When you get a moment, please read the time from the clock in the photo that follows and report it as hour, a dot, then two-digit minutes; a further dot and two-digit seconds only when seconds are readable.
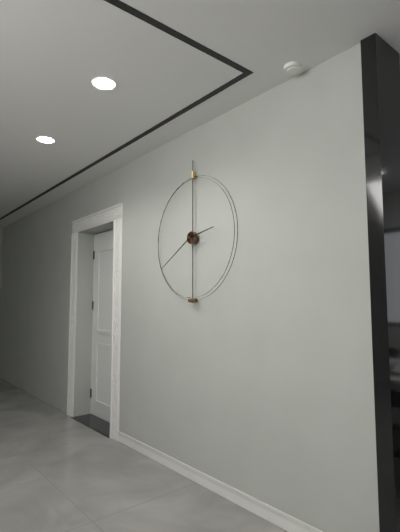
2.40
